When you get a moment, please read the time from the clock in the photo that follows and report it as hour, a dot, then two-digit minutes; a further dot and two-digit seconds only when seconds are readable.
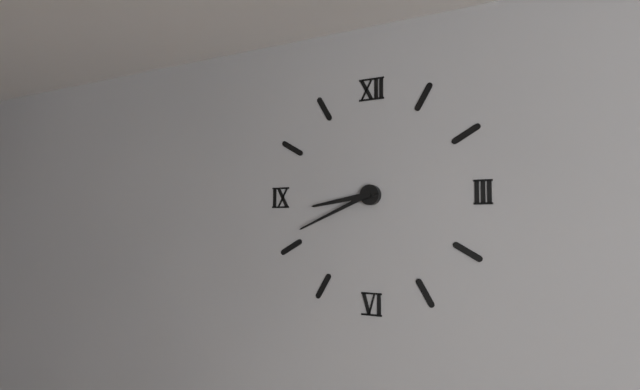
8.41
